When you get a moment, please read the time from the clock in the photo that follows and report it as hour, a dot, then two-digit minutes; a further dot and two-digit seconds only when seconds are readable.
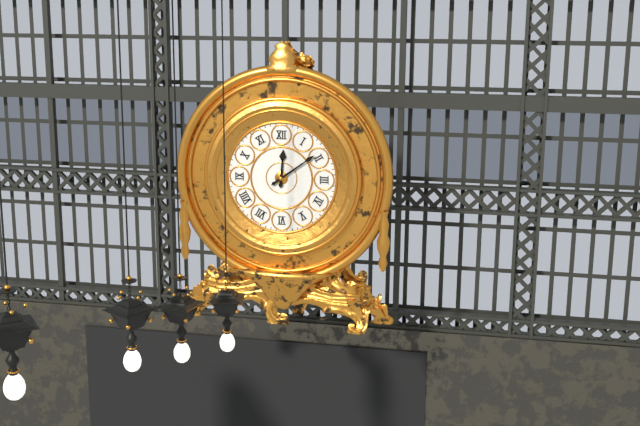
12.09
